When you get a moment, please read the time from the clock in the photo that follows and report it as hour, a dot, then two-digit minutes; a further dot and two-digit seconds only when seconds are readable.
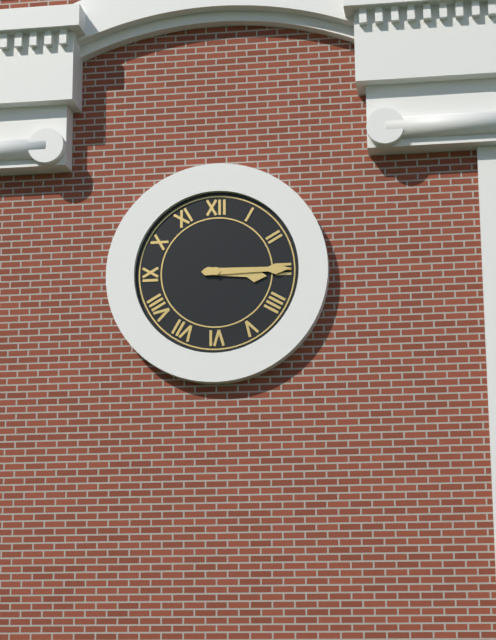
3.15
